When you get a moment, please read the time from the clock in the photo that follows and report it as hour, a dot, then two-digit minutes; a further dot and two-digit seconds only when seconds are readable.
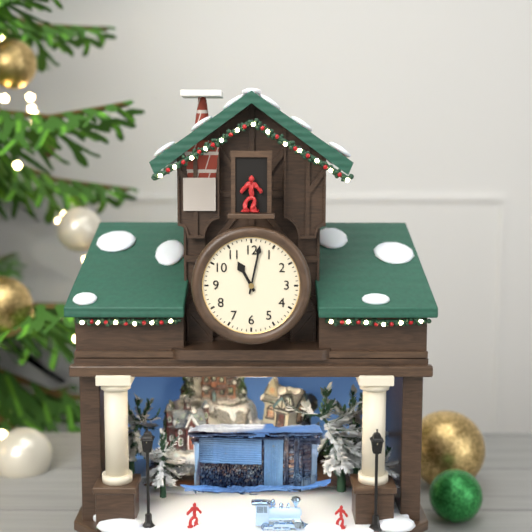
11.02
